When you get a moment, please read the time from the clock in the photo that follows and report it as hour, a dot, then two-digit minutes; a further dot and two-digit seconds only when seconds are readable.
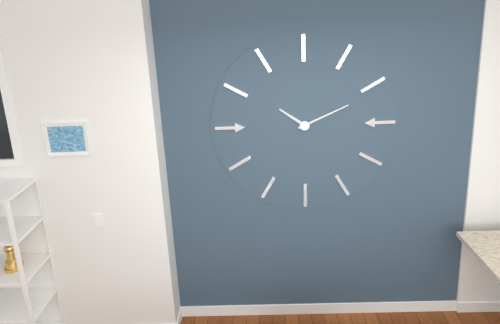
10.11
